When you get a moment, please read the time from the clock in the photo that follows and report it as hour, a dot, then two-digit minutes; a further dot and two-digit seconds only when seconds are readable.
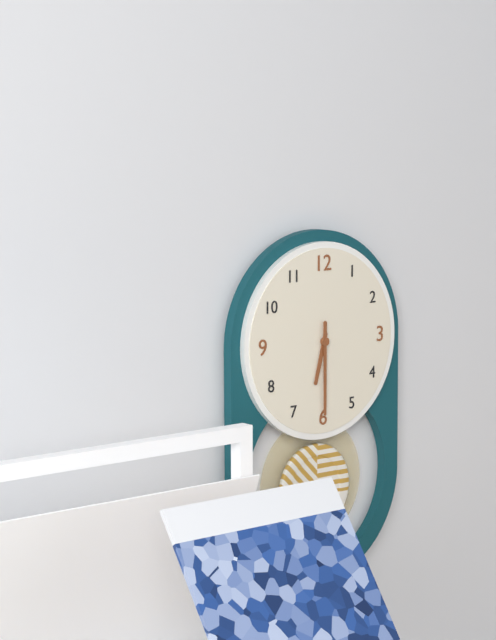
6.30
